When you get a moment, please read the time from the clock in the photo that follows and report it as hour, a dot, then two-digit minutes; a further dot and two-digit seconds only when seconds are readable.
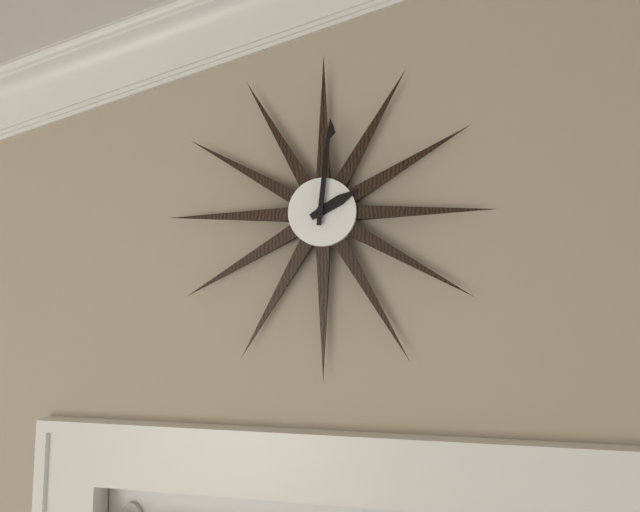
2.01
